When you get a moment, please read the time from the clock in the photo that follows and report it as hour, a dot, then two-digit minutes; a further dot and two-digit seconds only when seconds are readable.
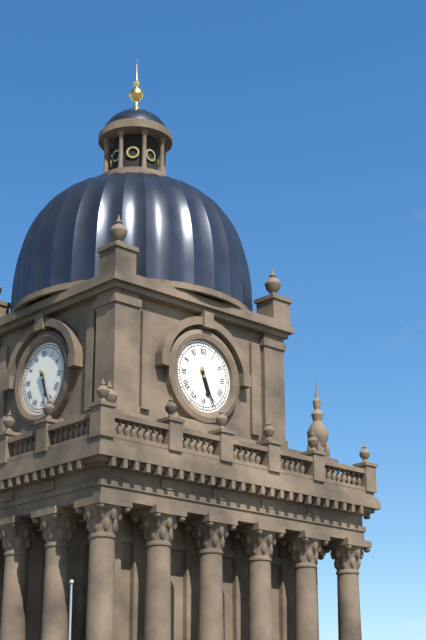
5.26
